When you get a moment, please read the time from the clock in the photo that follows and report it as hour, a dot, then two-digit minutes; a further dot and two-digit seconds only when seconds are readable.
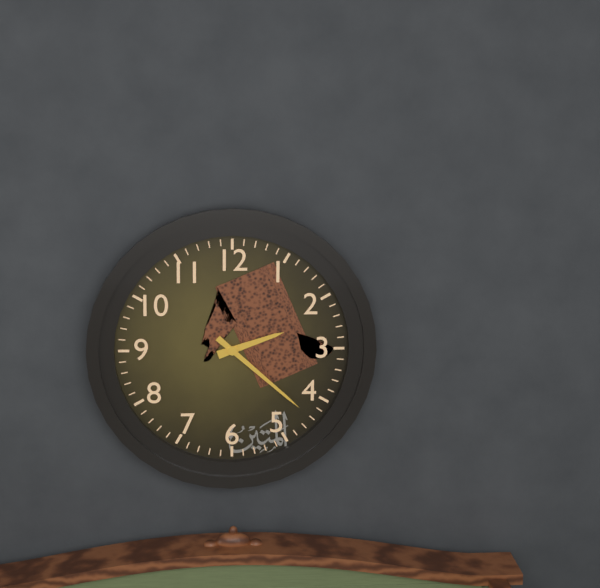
2.22
